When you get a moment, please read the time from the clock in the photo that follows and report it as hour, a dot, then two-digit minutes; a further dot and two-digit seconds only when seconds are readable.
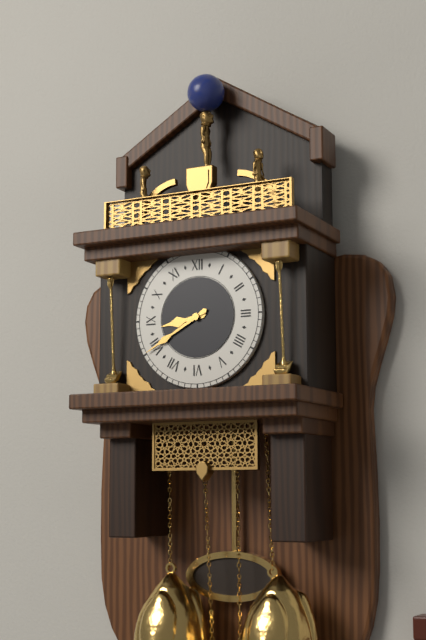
8.40
